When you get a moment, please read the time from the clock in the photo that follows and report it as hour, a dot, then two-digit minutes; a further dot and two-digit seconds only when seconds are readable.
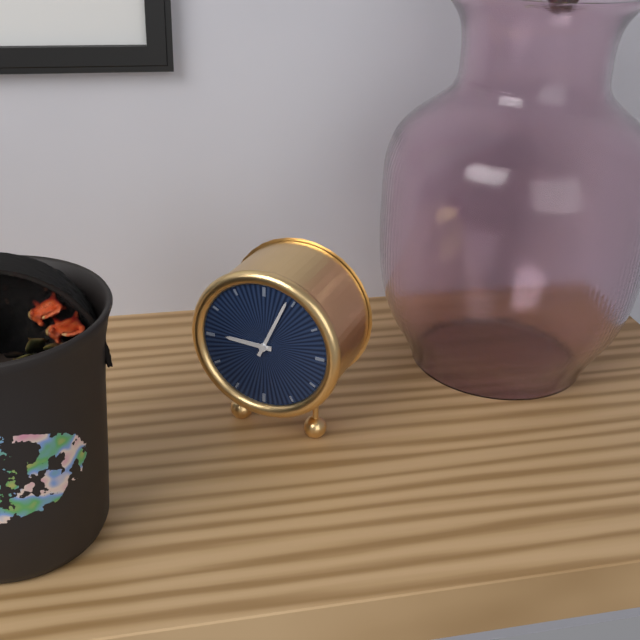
9.04
